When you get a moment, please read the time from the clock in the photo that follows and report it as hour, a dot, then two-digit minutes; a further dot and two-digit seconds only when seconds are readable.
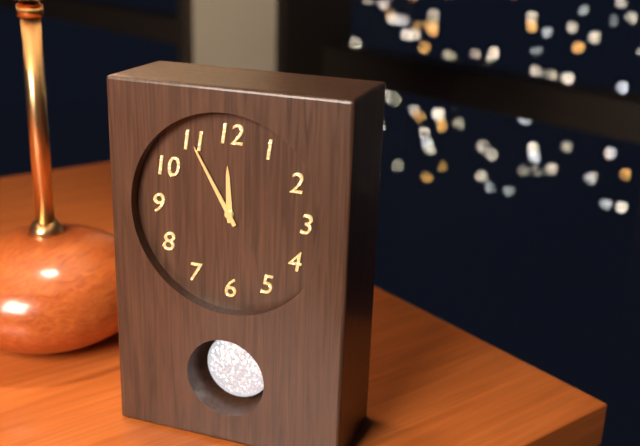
11.55
